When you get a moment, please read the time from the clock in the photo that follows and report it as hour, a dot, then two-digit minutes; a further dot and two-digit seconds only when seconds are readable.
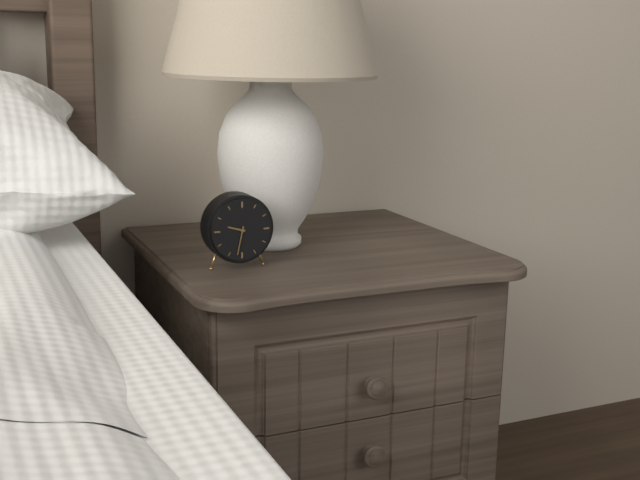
9.32
